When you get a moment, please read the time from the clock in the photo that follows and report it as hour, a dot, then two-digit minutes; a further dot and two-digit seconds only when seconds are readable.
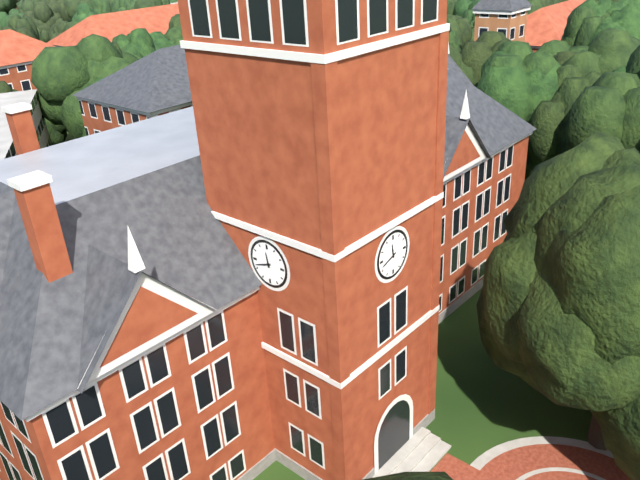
11.42
